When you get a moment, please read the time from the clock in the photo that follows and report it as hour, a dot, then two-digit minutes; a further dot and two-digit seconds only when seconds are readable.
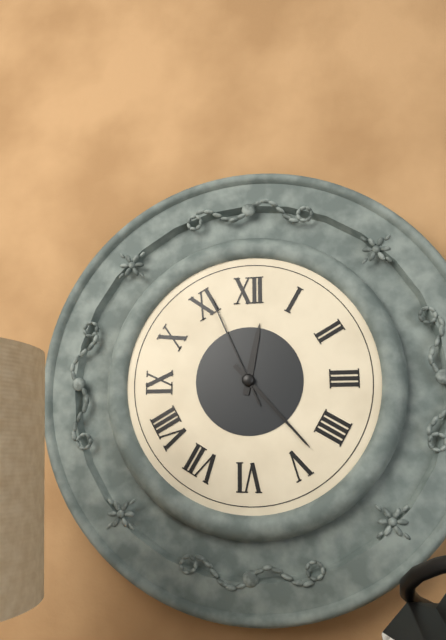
12.23.56
